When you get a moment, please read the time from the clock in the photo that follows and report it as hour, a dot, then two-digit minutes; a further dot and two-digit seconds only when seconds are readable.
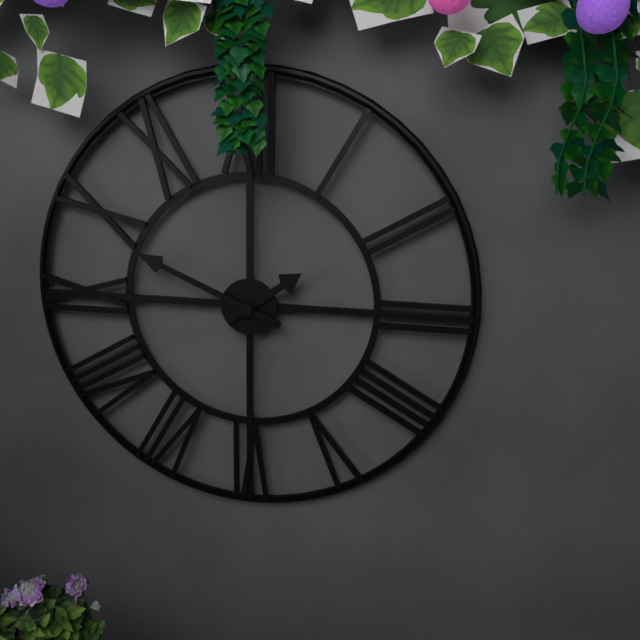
1.49
